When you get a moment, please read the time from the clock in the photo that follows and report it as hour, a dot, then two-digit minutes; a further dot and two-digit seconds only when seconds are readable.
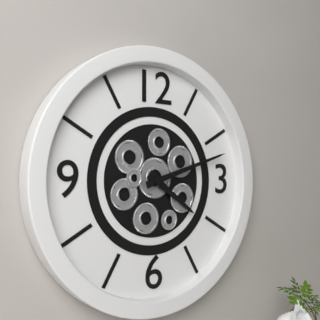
4.12
